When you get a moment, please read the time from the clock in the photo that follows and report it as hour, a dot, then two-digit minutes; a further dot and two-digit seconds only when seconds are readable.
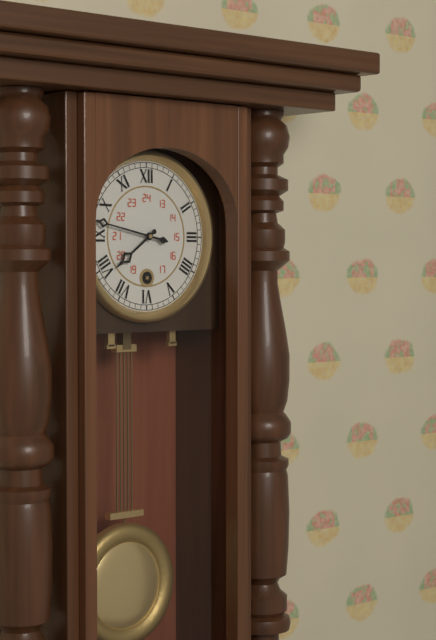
7.47
